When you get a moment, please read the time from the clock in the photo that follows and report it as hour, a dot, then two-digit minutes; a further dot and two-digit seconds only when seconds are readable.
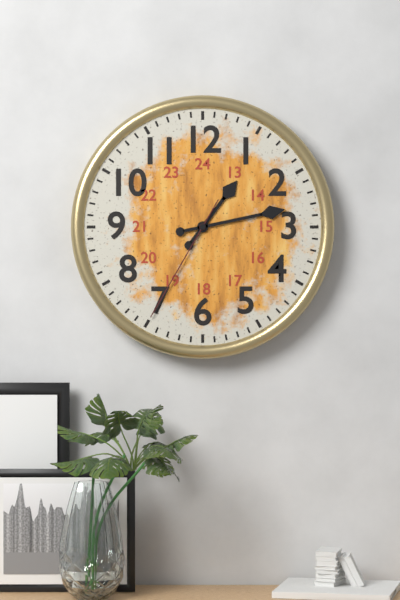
1.13.35
